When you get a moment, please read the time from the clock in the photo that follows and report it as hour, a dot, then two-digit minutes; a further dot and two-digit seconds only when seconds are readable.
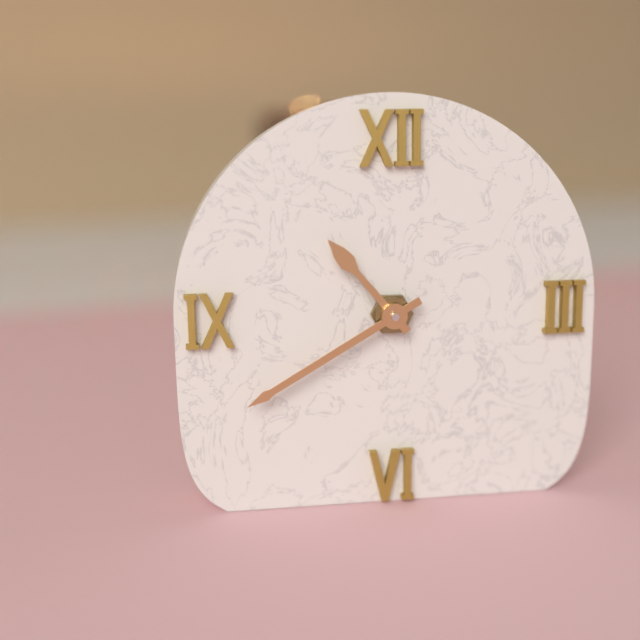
10.40
